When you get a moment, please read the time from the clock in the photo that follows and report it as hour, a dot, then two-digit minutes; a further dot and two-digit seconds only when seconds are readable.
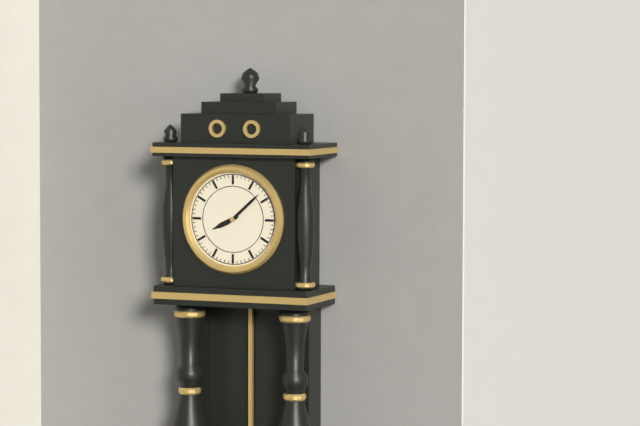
8.08
